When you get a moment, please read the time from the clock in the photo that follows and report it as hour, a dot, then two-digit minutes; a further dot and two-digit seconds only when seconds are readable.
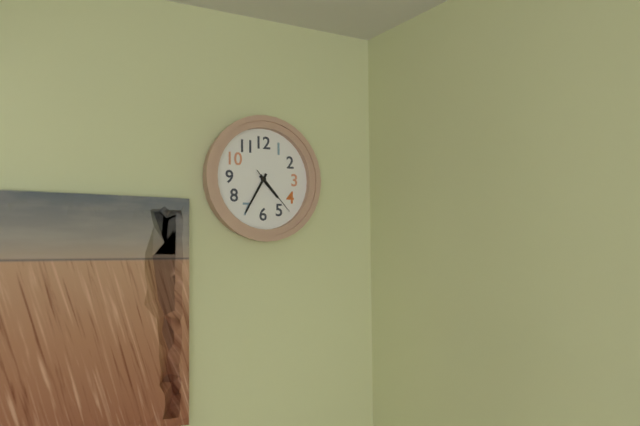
4.35.23
